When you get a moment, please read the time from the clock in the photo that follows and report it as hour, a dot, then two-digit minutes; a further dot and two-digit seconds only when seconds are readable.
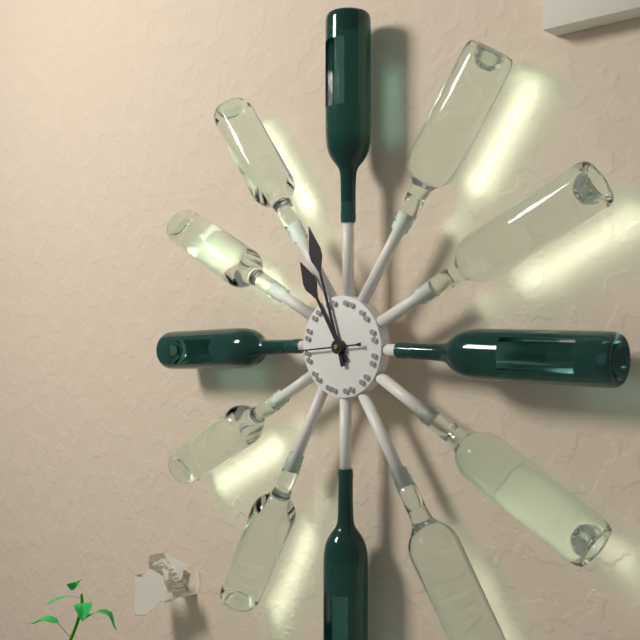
10.57.44
